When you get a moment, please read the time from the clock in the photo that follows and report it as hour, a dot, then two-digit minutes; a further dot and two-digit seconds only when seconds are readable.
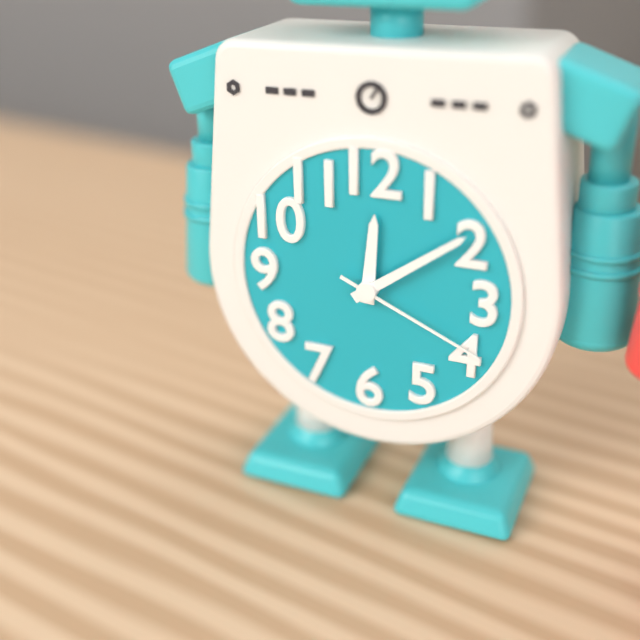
12.09.19
